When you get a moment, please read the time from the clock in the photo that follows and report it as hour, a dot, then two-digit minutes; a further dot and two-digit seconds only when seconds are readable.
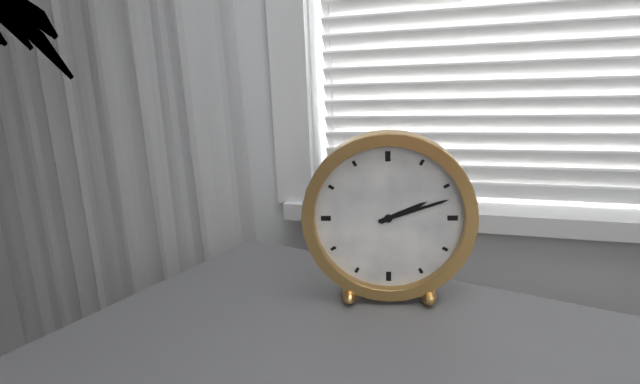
2.12
